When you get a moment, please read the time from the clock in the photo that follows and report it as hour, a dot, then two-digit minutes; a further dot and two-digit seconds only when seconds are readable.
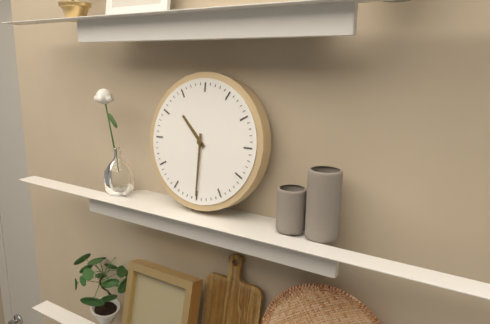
10.30
